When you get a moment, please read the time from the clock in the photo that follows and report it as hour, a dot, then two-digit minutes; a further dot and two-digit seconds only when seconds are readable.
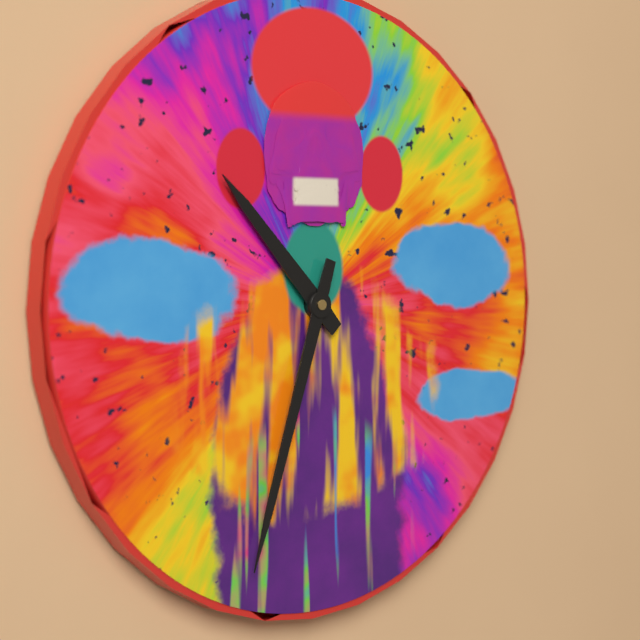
10.33
